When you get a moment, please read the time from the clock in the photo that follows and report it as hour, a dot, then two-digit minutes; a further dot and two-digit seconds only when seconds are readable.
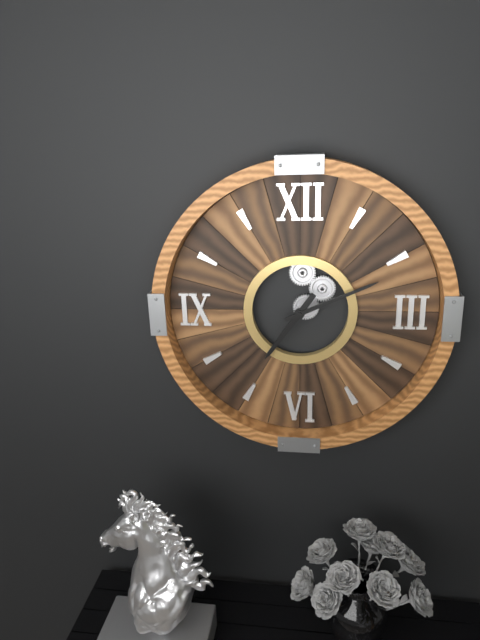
7.11
